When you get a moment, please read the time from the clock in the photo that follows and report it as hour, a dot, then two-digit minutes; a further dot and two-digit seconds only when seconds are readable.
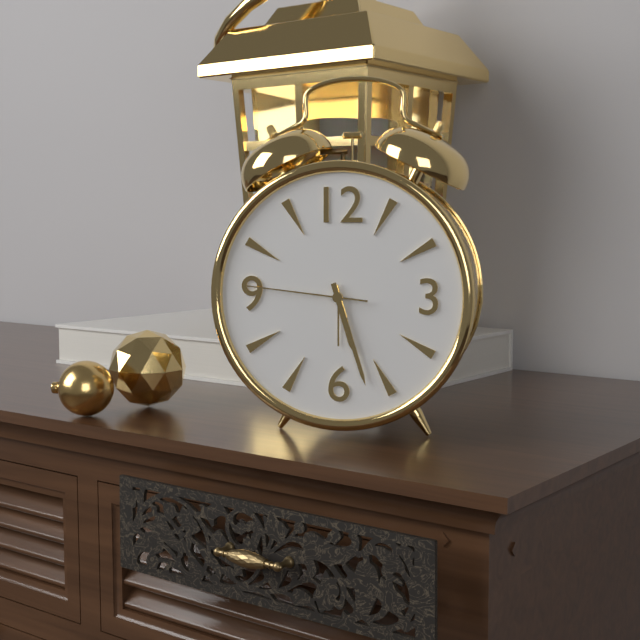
5.27.46
